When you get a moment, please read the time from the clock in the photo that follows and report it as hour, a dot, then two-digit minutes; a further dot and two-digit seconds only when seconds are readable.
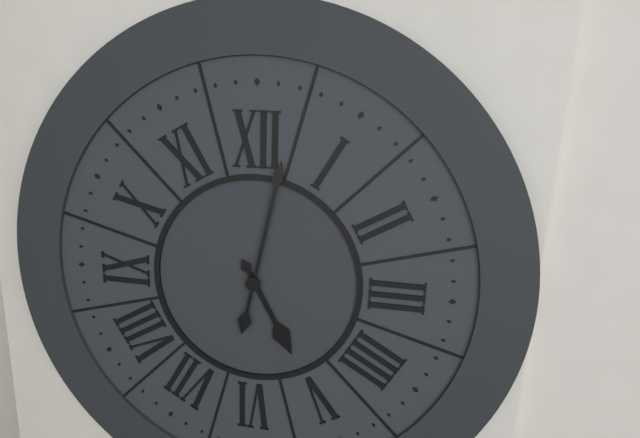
5.02
